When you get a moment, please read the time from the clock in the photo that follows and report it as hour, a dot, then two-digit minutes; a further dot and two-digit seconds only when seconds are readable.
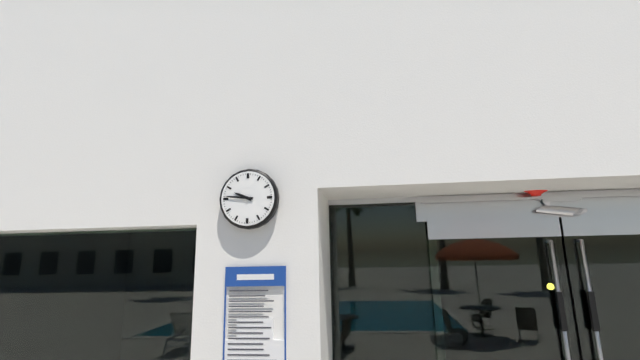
9.46
